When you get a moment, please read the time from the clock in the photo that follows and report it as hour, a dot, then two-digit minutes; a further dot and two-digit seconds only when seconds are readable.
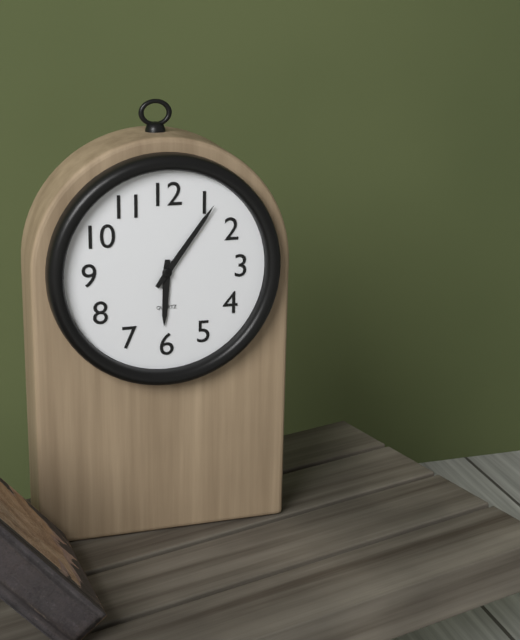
6.06
